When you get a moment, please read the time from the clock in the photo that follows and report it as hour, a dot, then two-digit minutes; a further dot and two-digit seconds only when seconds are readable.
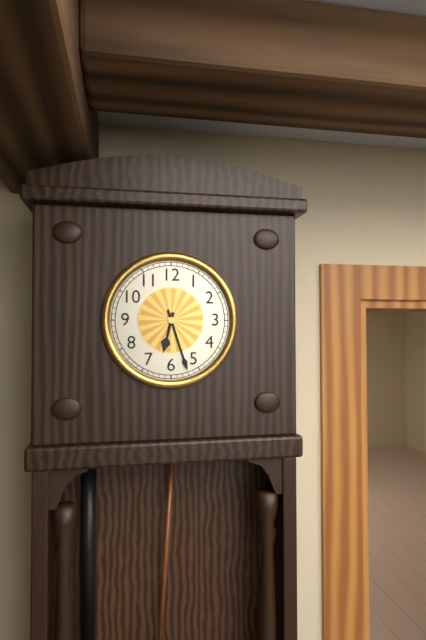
6.27
